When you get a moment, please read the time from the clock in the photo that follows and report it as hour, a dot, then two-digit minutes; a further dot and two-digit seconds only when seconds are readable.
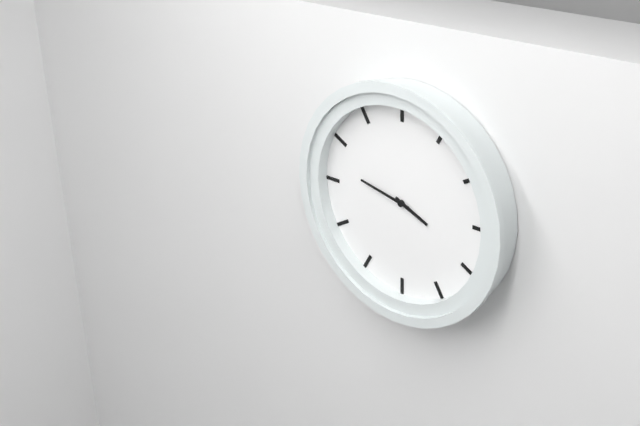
3.47
